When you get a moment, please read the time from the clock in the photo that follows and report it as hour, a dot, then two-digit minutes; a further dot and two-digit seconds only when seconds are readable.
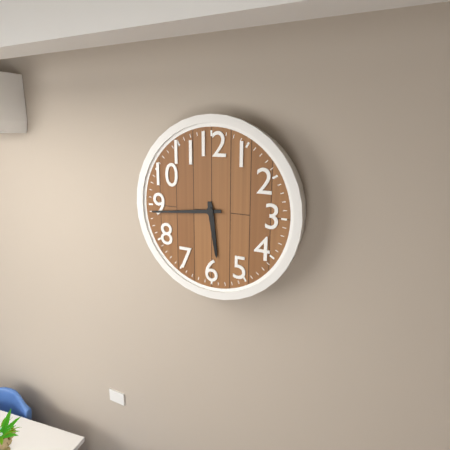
5.44
